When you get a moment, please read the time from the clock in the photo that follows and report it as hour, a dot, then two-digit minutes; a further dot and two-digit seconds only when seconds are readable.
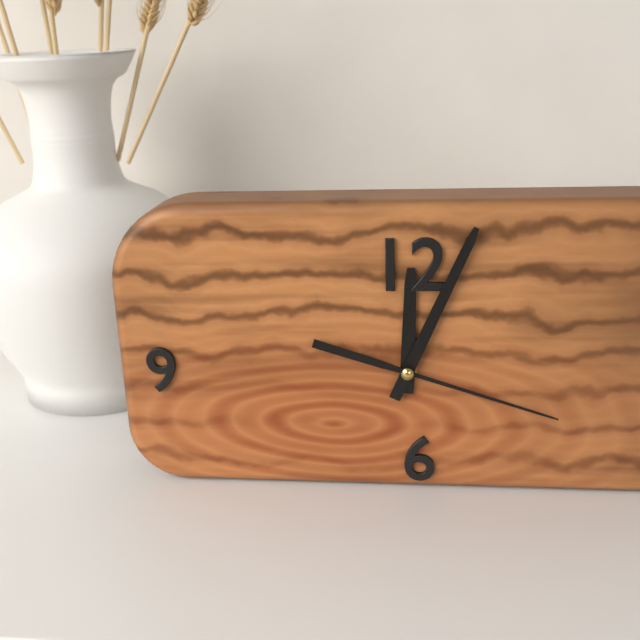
12.04.18
